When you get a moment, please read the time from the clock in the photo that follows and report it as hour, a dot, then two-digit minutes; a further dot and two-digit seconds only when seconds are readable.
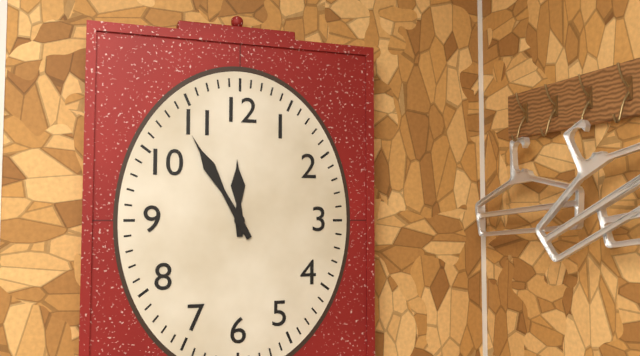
11.55
